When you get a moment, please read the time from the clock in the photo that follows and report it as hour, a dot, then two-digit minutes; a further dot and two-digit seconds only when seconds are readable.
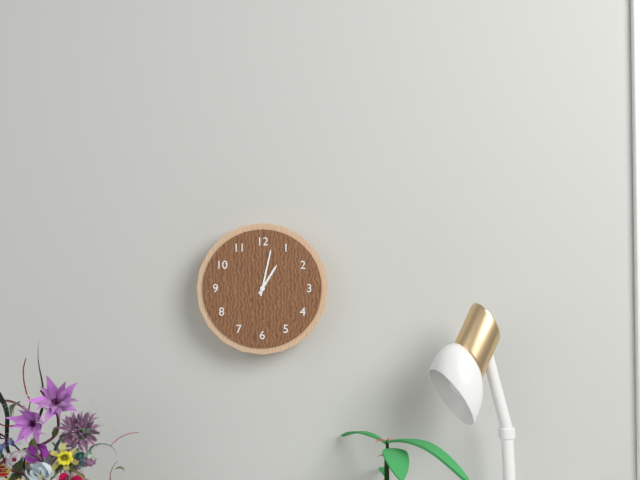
1.02
